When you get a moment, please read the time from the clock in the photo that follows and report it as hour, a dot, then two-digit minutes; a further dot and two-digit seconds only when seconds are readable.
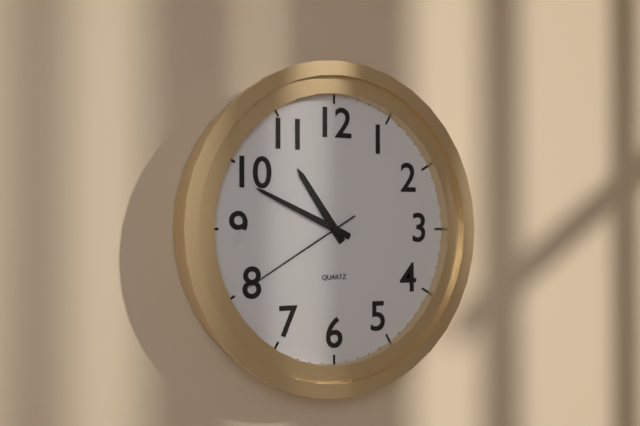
10.49.40
